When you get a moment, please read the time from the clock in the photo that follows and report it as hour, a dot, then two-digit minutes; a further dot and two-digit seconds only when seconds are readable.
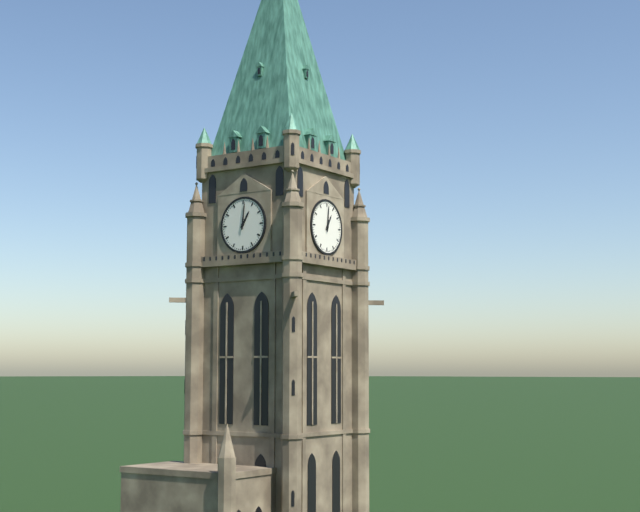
1.01
